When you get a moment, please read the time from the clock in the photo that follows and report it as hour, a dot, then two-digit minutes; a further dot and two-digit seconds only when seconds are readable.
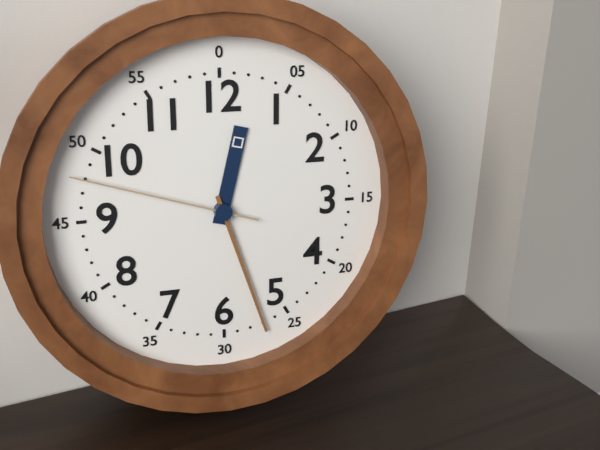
12.27.48
